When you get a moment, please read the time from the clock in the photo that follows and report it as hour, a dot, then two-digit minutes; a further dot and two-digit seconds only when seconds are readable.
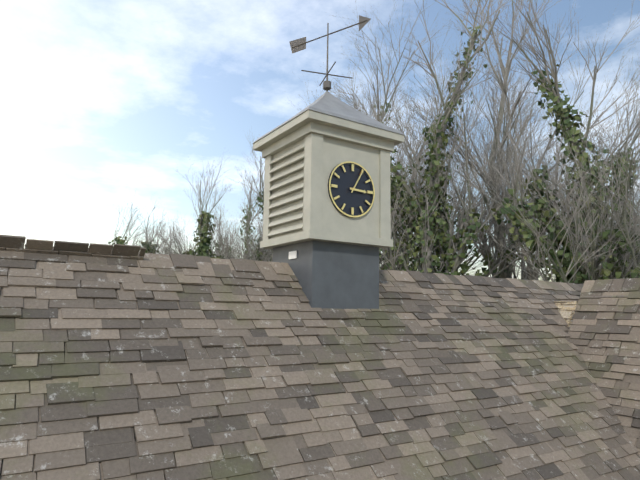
3.05
